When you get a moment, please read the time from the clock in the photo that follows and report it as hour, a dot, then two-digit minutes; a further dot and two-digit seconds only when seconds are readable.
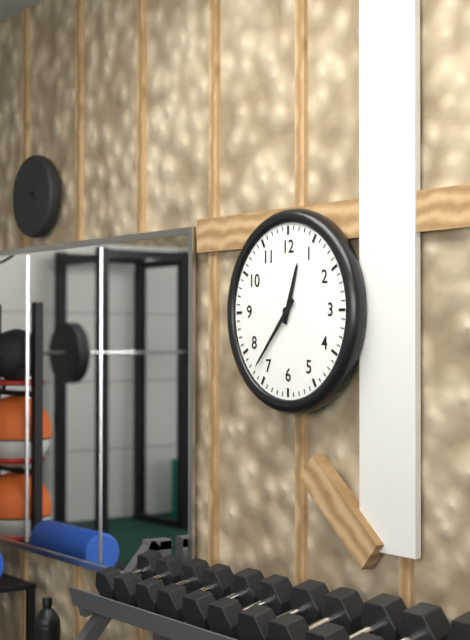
12.37
